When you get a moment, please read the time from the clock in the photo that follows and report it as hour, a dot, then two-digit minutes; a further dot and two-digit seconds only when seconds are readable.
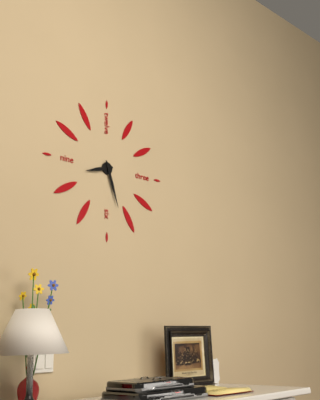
8.27
